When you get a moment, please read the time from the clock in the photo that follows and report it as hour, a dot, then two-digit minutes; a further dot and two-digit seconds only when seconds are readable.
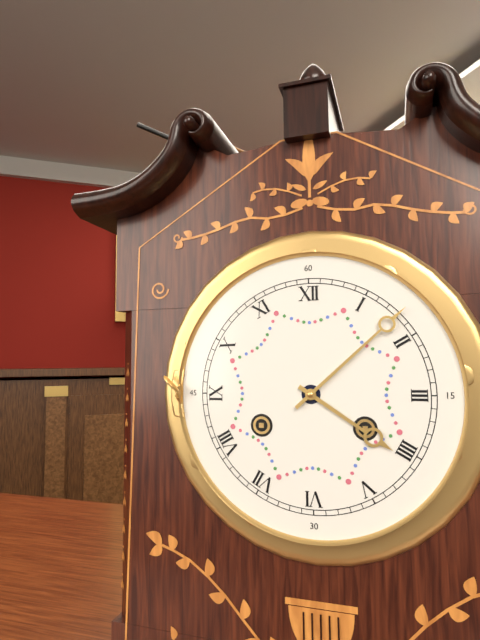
4.08
